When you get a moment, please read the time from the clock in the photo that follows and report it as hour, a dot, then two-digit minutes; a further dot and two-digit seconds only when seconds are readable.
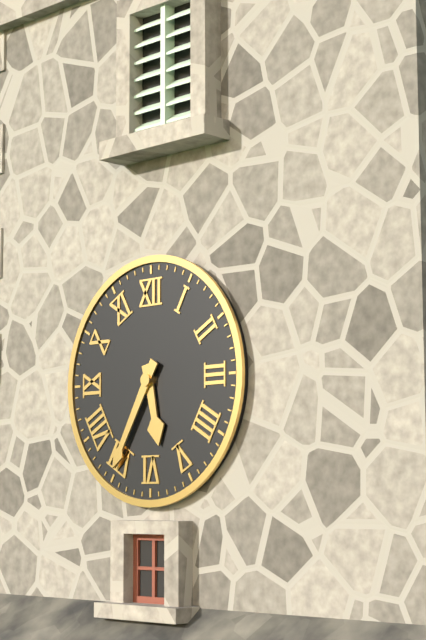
5.35
